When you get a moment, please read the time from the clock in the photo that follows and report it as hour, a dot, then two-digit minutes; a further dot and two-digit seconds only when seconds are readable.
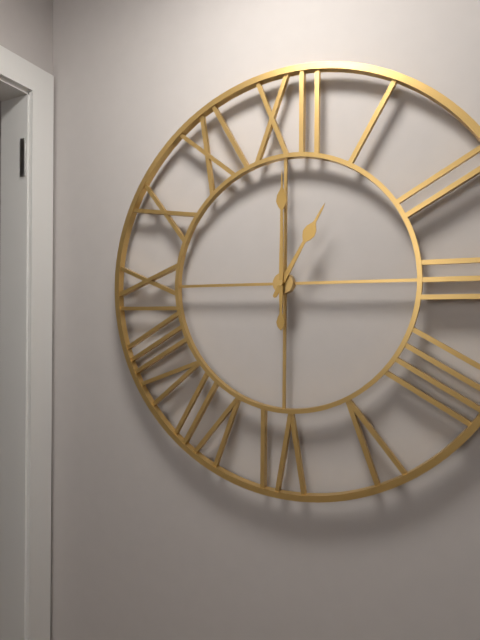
1.00
